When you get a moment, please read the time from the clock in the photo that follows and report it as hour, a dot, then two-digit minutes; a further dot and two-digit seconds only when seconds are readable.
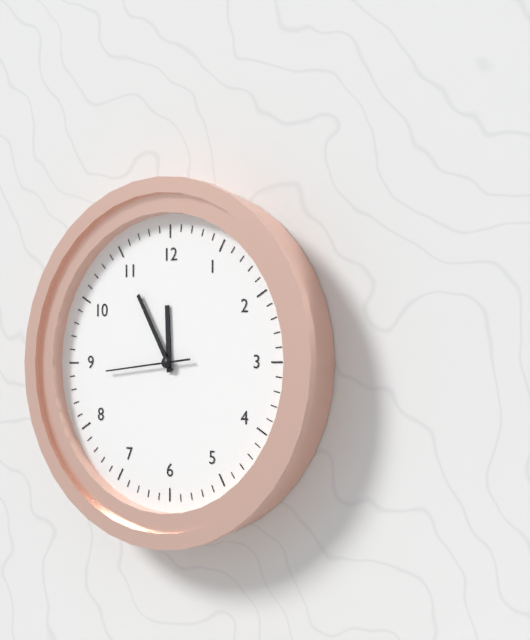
11.55.44
